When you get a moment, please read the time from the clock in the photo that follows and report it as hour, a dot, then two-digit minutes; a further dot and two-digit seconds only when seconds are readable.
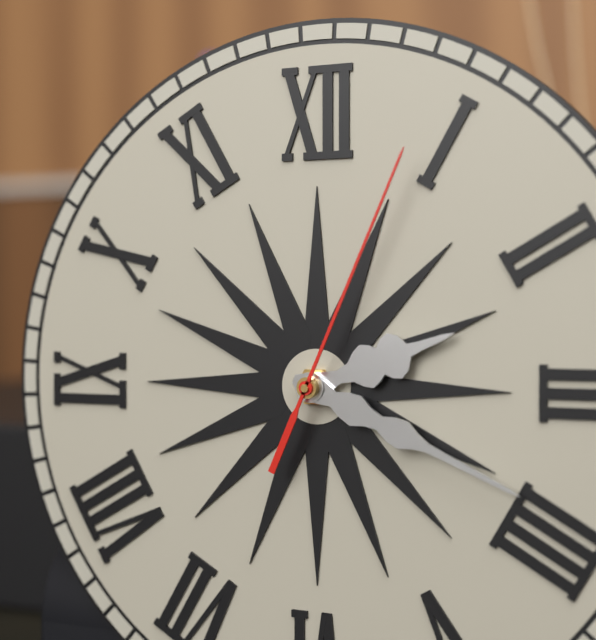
2.19.04
